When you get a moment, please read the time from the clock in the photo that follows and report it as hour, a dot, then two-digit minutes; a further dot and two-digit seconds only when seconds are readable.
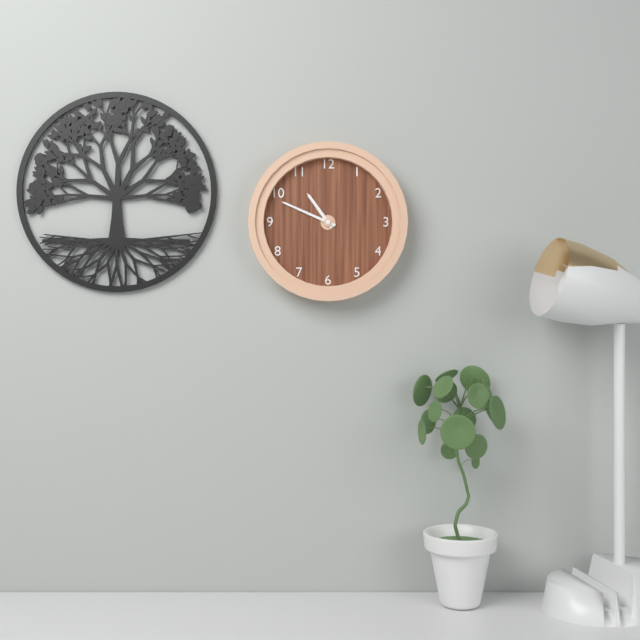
10.49
